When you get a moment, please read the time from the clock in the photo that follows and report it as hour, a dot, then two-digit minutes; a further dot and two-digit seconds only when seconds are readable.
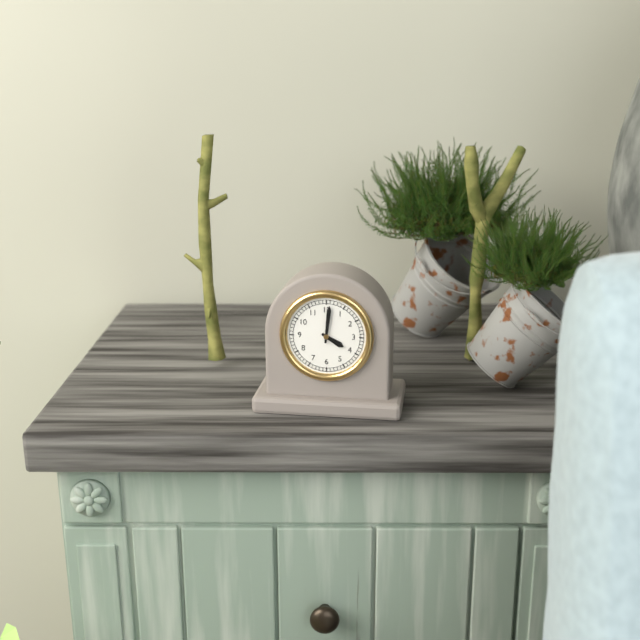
4.01
